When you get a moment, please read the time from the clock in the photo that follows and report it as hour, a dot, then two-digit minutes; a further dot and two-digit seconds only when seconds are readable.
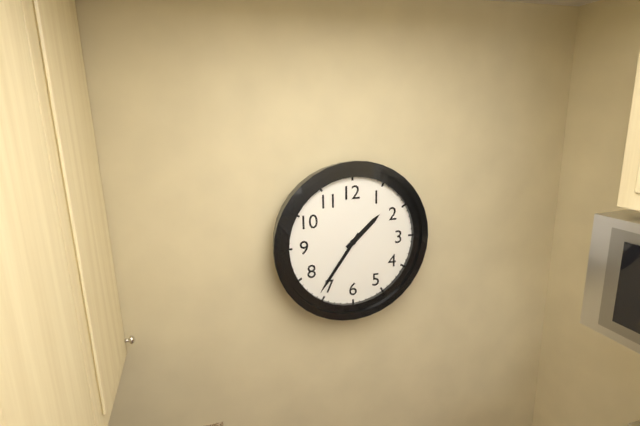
1.36
